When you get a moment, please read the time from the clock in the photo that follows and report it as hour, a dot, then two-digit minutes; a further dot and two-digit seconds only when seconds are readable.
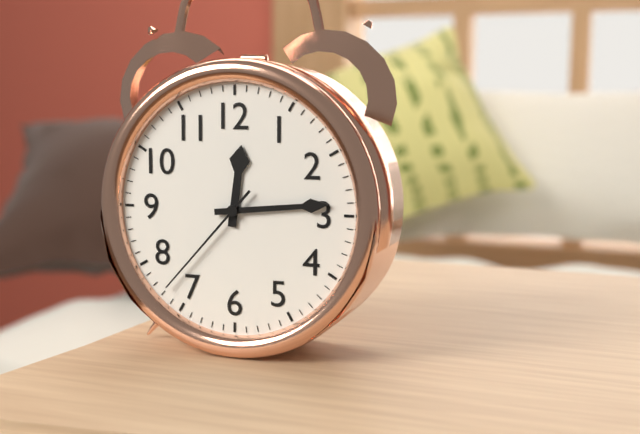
12.14.37
